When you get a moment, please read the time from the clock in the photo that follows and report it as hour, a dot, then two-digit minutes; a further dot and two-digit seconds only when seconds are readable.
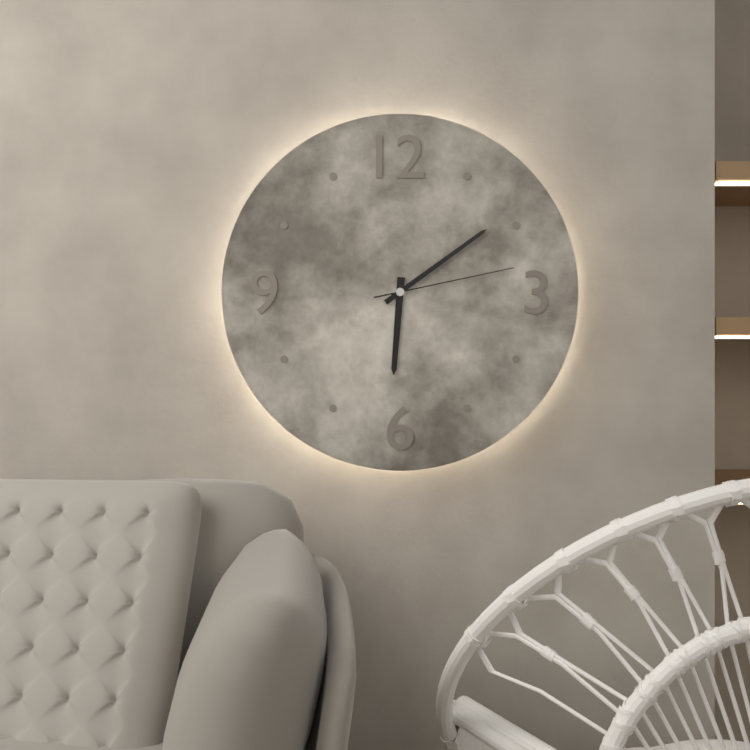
6.09.13
